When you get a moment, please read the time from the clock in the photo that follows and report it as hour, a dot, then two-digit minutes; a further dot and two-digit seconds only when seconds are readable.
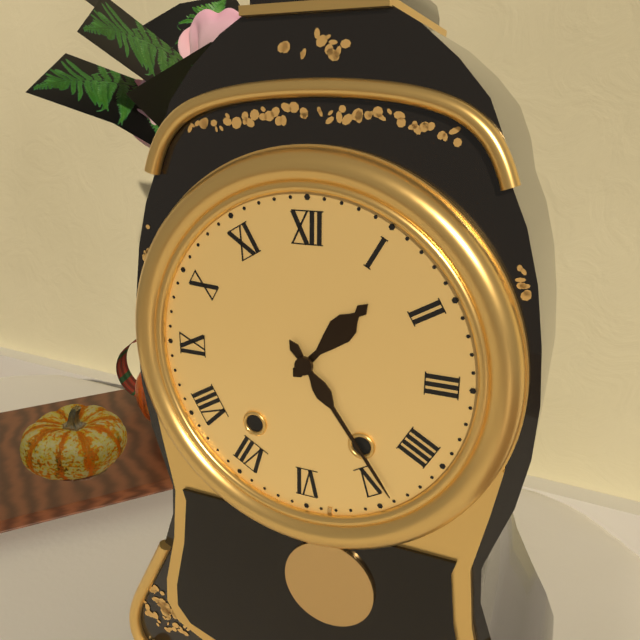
1.24
